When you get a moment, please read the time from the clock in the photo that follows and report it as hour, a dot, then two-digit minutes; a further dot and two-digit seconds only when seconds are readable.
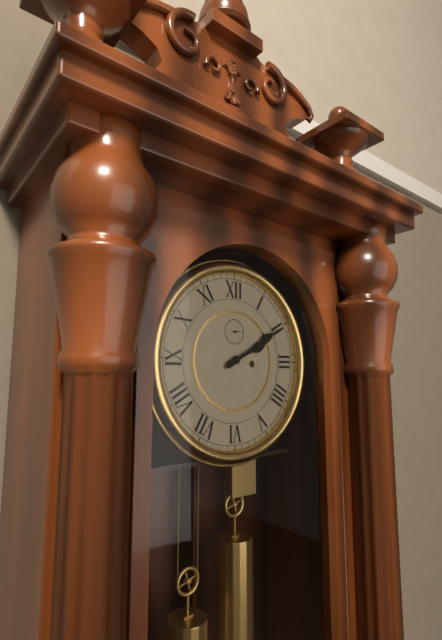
2.10
